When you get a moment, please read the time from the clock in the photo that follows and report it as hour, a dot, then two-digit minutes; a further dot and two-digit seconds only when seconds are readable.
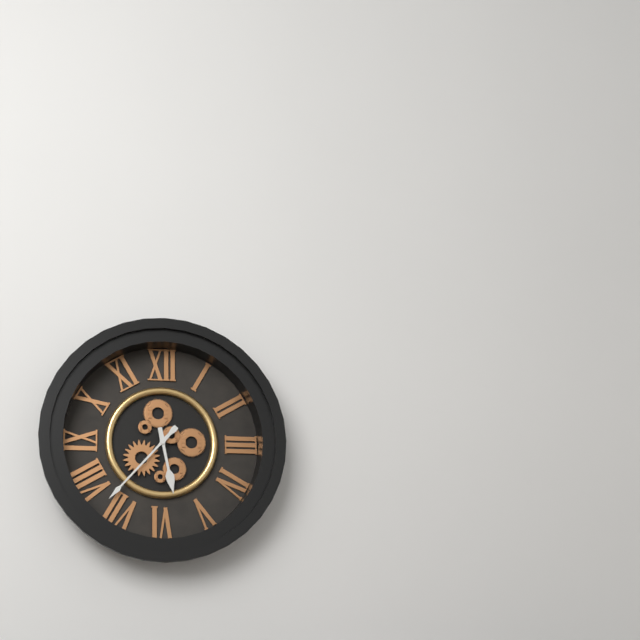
5.37
